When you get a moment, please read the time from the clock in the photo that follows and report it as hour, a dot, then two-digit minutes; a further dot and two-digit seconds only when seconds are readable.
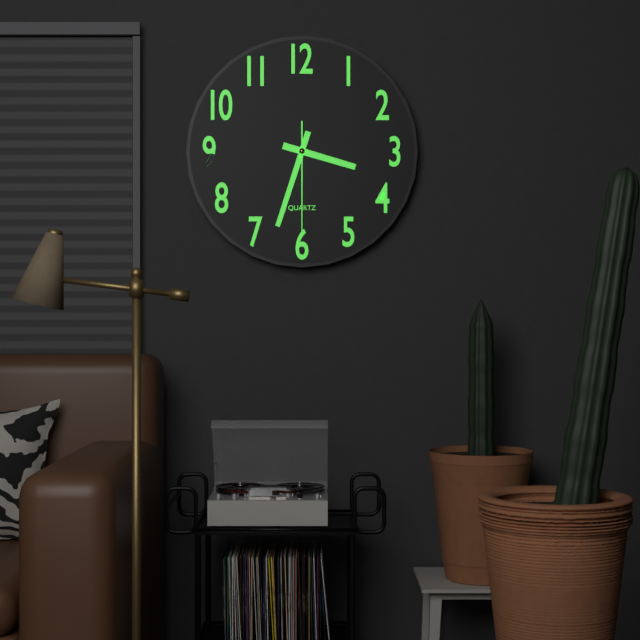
3.33.30
